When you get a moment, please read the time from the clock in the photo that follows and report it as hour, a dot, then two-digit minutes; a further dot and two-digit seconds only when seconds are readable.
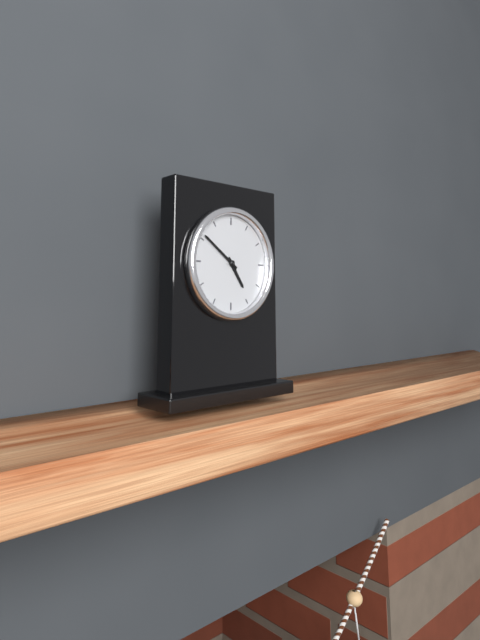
4.51
